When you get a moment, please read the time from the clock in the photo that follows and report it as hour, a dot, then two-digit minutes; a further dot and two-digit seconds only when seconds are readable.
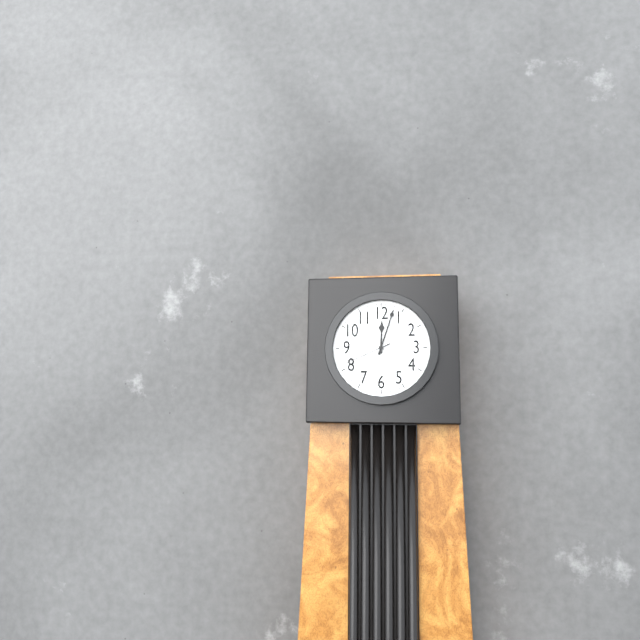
12.03
